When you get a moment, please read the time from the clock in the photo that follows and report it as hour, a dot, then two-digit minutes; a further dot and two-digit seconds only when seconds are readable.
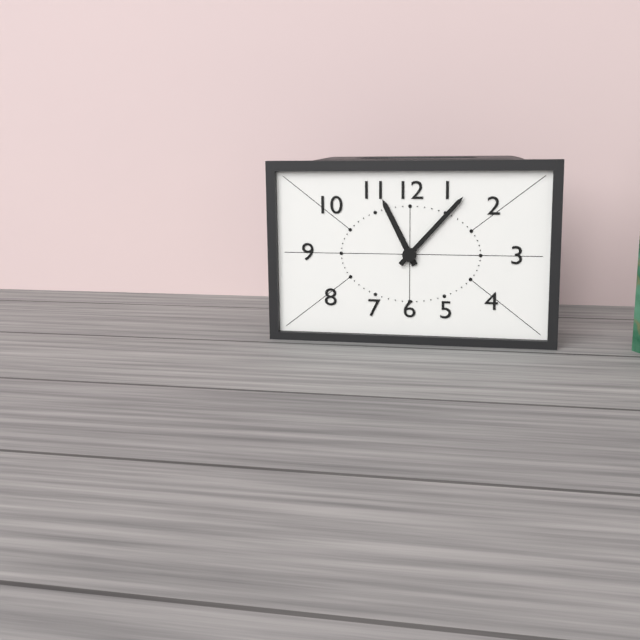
11.07
